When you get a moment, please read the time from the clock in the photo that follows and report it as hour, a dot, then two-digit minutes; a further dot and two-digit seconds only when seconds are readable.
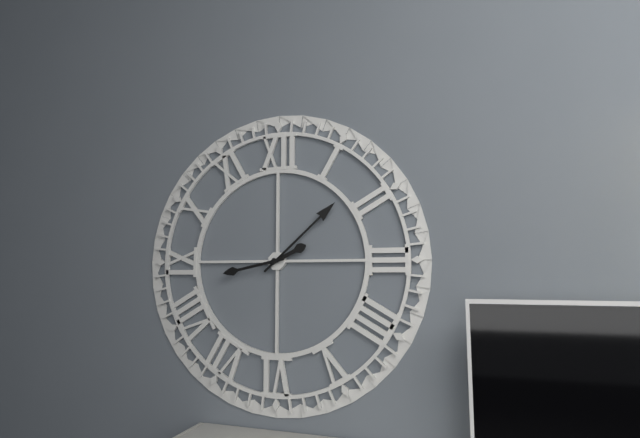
2.08.43
